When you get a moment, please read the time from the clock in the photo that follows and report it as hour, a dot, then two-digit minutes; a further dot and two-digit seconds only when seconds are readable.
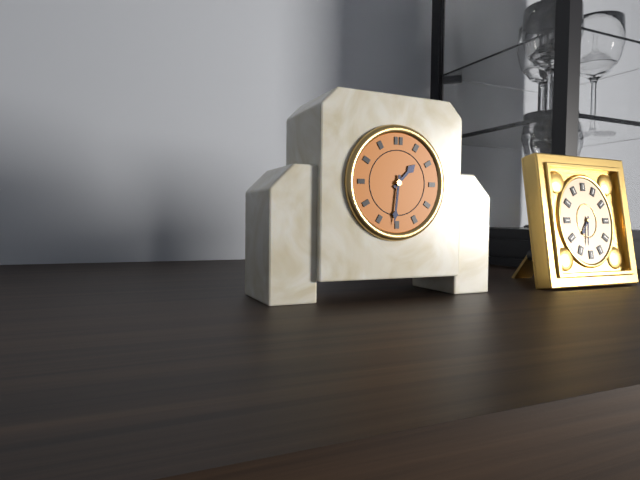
1.31
